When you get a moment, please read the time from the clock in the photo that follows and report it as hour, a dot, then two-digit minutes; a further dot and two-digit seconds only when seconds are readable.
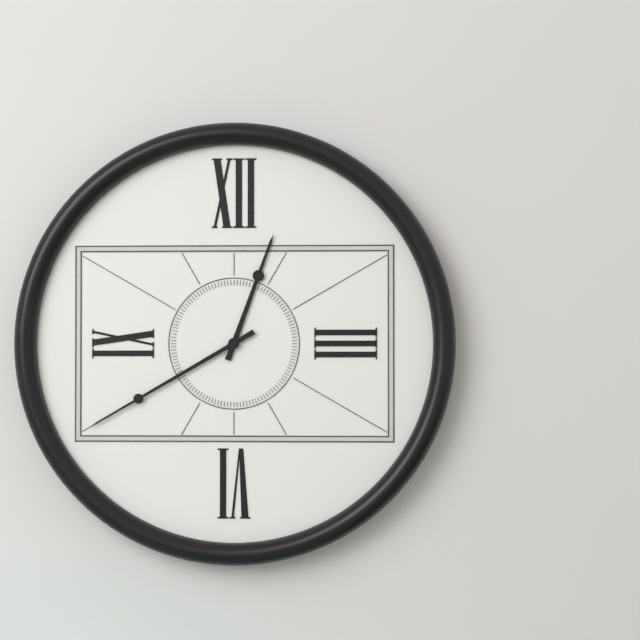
12.40
